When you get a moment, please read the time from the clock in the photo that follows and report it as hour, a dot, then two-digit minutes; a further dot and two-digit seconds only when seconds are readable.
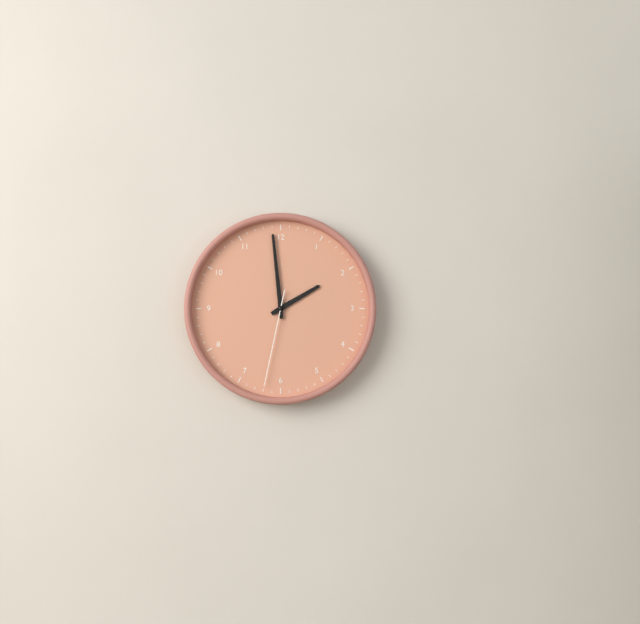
1.59.32
